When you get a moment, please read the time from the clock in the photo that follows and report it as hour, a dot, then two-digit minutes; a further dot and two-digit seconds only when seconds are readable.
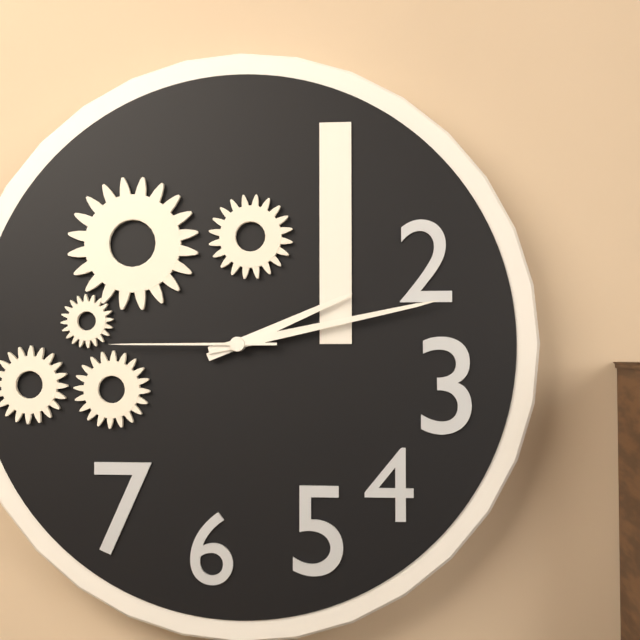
2.13.45
